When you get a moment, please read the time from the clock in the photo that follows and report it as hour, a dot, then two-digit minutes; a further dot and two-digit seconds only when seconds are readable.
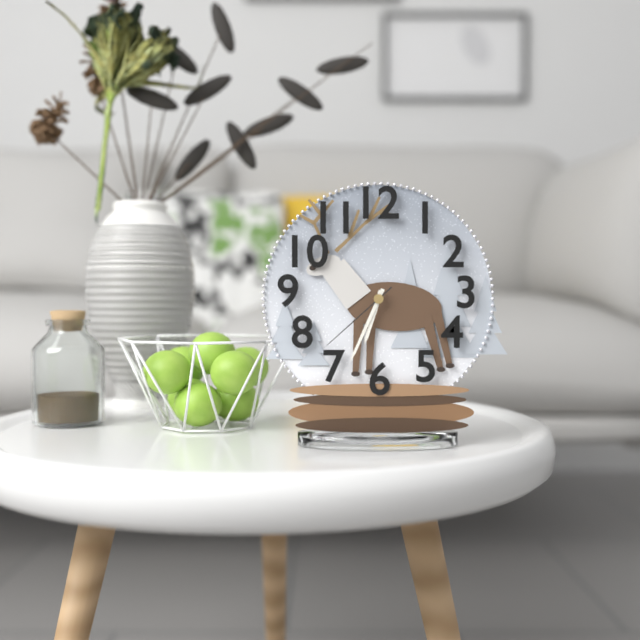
6.34.38
